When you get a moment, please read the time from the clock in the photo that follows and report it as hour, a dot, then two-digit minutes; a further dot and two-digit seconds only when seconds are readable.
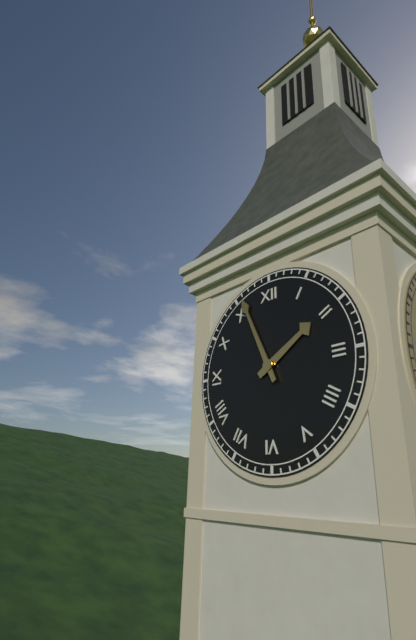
1.56
